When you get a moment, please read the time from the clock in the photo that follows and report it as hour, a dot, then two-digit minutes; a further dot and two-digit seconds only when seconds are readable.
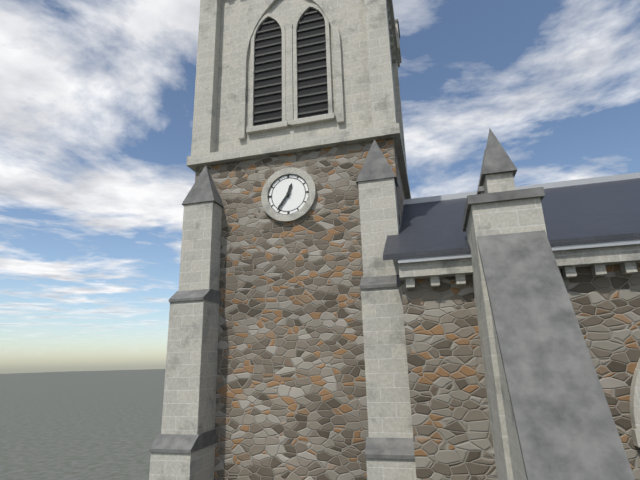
12.36
